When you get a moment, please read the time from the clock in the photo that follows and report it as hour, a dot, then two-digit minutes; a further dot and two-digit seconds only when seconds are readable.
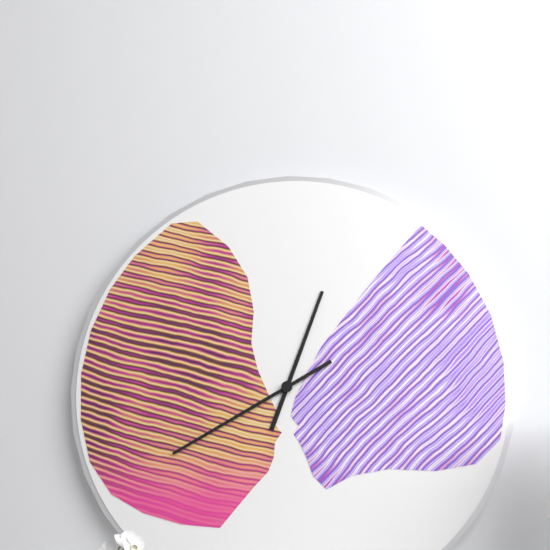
12.40
